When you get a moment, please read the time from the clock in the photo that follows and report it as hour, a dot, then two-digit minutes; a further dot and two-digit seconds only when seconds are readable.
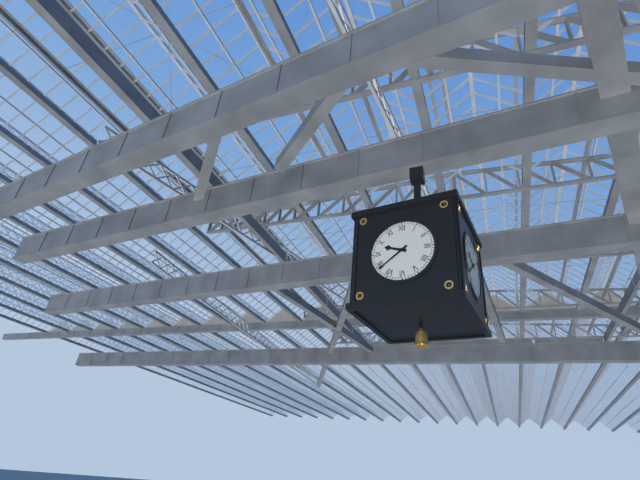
9.39
